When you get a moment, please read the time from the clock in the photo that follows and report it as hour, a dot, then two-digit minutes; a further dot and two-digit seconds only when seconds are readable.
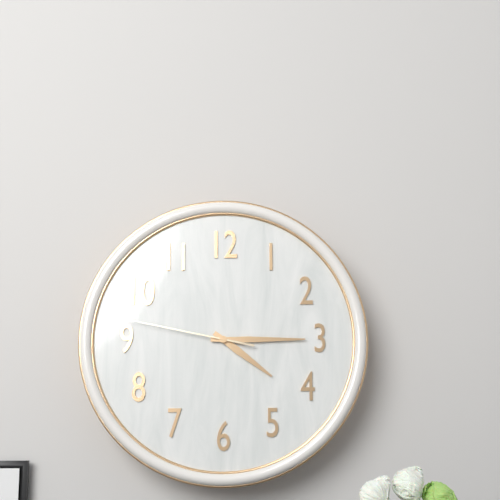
4.15.47
